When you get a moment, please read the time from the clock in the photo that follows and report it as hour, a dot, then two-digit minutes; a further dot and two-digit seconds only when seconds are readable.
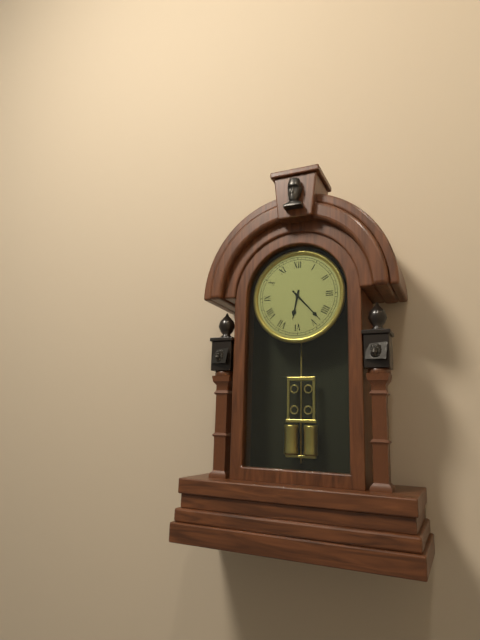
6.23
